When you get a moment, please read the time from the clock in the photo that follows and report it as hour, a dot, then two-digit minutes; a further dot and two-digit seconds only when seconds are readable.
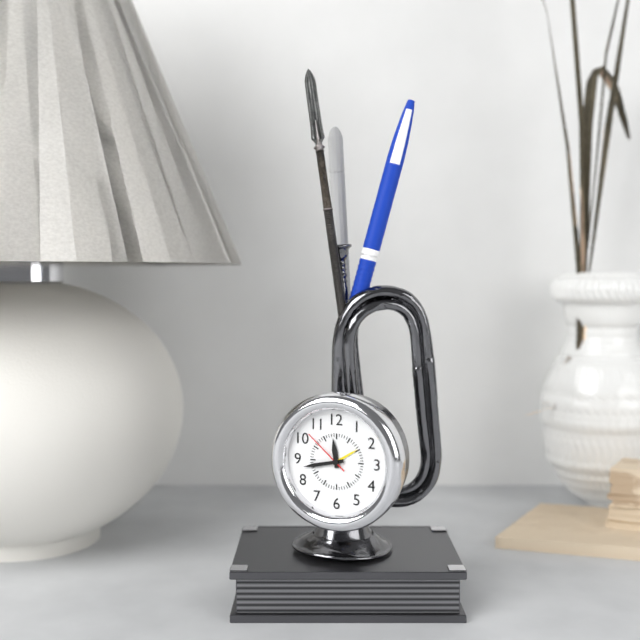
11.43
